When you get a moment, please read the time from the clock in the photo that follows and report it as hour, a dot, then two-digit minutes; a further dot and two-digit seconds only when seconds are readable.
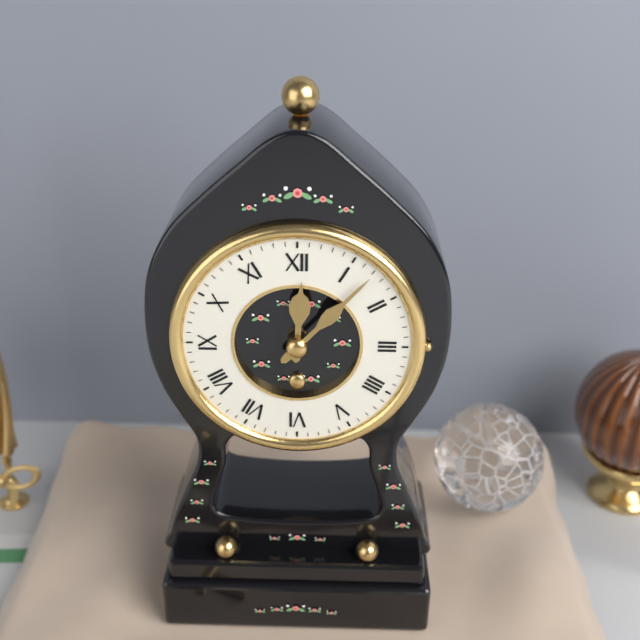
12.07
